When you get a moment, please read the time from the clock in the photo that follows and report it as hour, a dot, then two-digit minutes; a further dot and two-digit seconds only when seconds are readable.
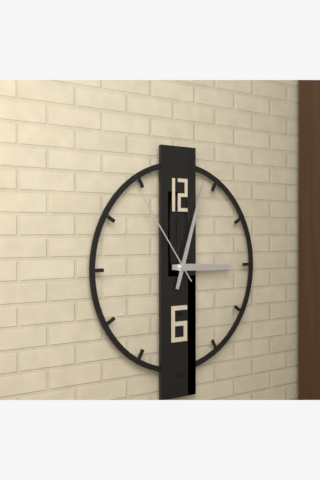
3.03.54
